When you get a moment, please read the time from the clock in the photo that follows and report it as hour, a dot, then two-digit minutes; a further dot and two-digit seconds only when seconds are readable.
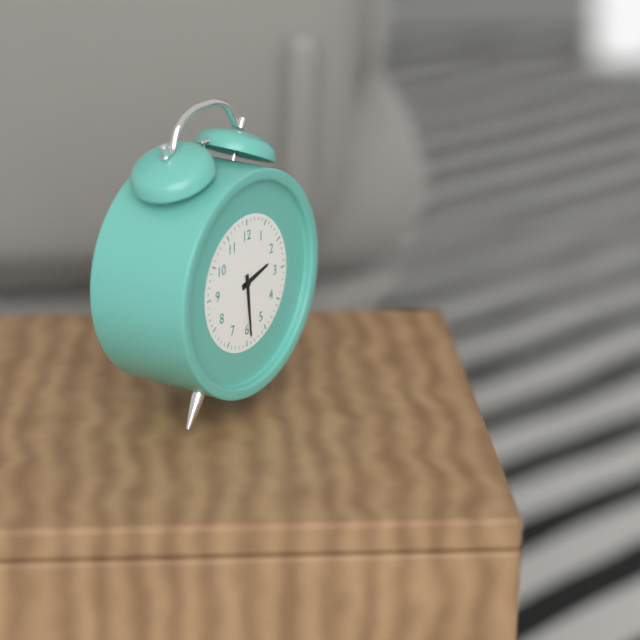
2.29
